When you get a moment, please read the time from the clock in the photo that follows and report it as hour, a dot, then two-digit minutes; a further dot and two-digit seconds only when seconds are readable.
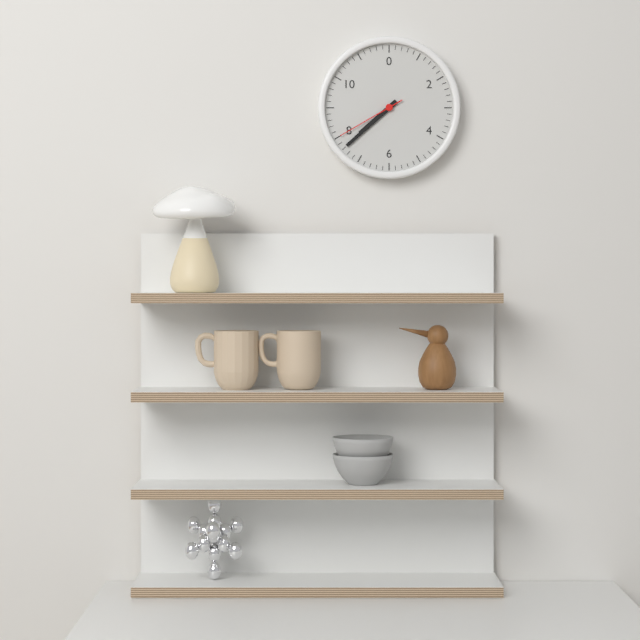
7.38.40
